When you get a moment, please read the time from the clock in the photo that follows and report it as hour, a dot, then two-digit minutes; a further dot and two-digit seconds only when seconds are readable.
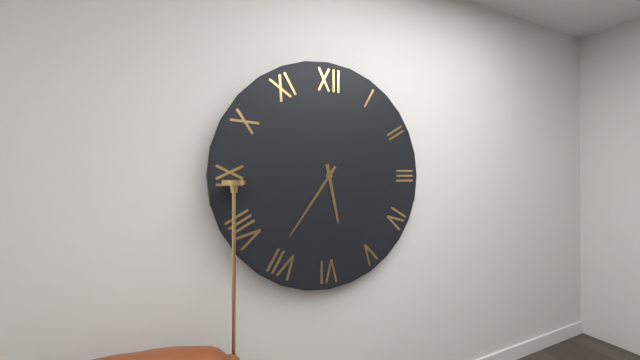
5.36
